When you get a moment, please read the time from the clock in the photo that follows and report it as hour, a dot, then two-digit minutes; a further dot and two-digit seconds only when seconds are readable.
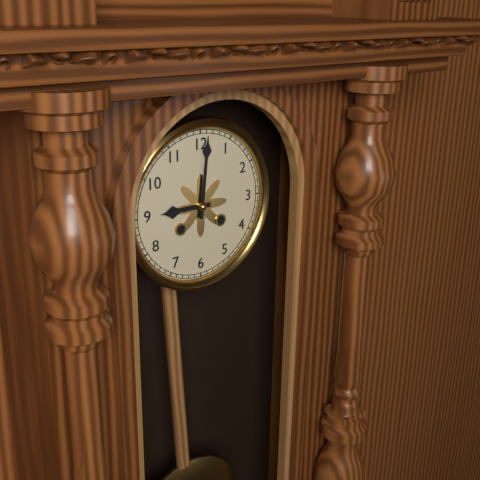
9.01
